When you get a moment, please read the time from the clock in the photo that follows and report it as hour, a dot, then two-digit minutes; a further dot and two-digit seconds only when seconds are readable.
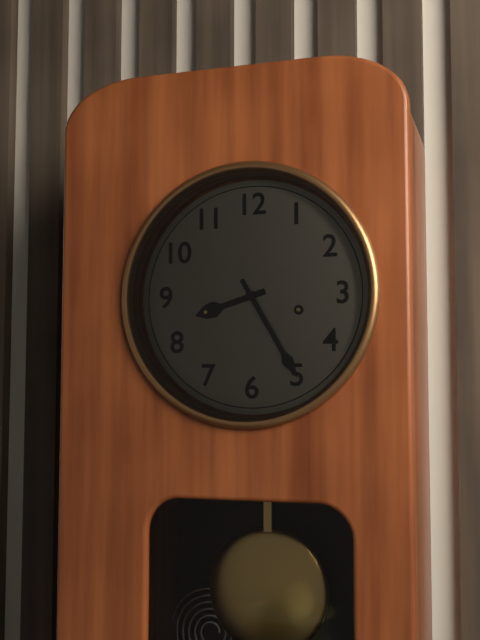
8.25
